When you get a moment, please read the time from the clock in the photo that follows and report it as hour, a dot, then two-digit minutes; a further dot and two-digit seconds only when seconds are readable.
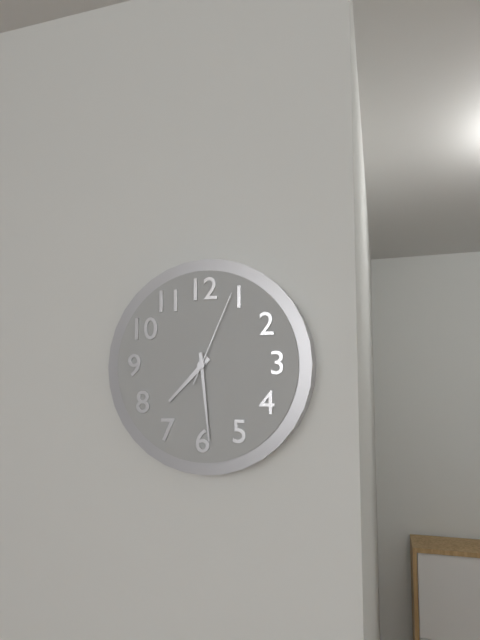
7.29.04
